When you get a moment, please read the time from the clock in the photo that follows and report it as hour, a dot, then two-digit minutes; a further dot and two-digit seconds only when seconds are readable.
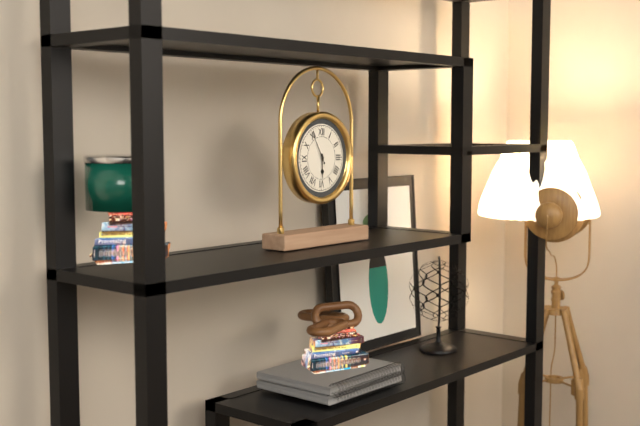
5.55
